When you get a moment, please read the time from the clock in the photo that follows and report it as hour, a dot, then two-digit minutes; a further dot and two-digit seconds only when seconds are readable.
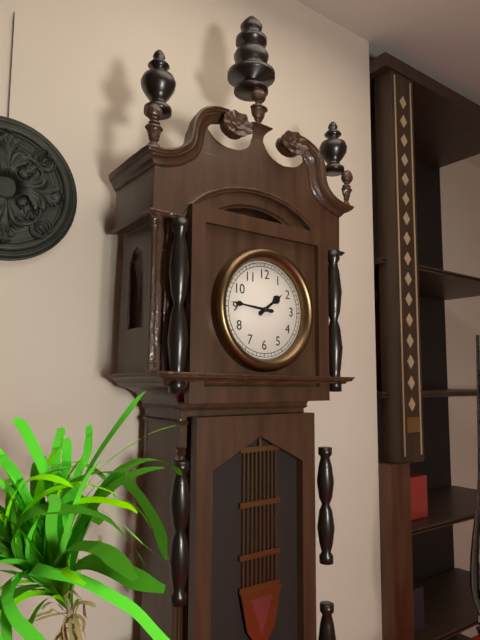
1.46
